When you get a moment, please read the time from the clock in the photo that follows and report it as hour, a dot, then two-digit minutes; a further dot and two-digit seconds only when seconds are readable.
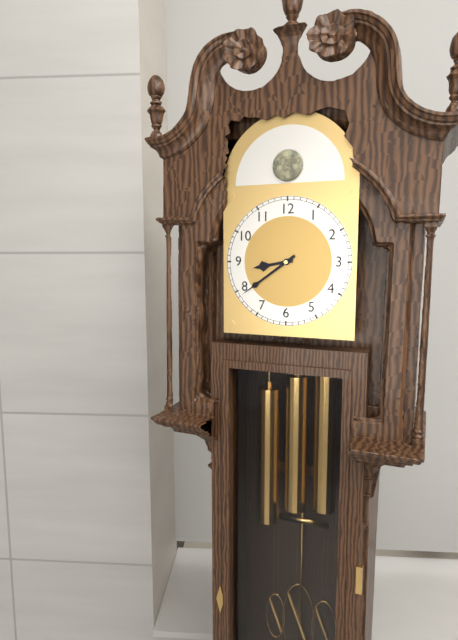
8.39
